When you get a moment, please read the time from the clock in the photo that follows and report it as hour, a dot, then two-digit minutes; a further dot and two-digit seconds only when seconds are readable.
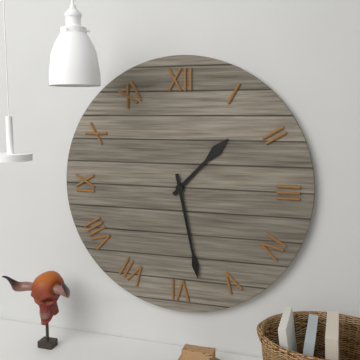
1.28
